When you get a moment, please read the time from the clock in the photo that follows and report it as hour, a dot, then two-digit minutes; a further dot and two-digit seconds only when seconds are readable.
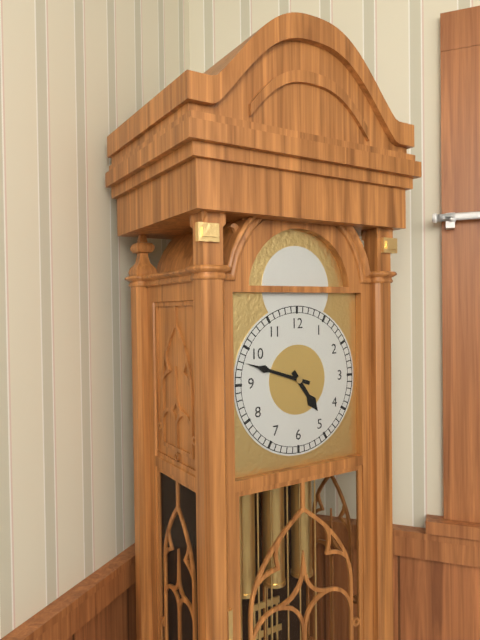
4.48
